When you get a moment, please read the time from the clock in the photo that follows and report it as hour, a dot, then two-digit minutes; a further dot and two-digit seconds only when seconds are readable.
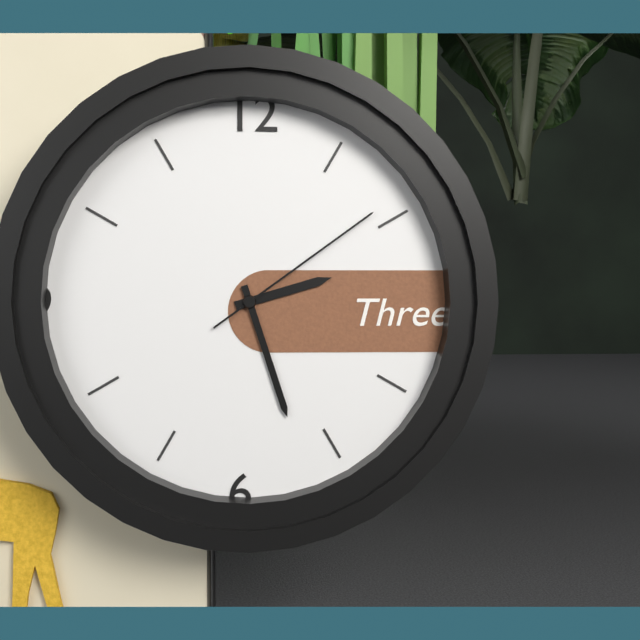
2.27.09
